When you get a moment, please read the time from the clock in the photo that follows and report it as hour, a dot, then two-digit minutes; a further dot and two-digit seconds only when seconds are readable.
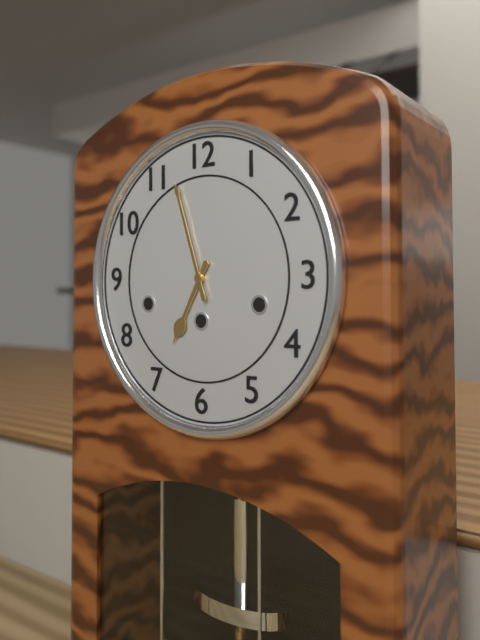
6.57
